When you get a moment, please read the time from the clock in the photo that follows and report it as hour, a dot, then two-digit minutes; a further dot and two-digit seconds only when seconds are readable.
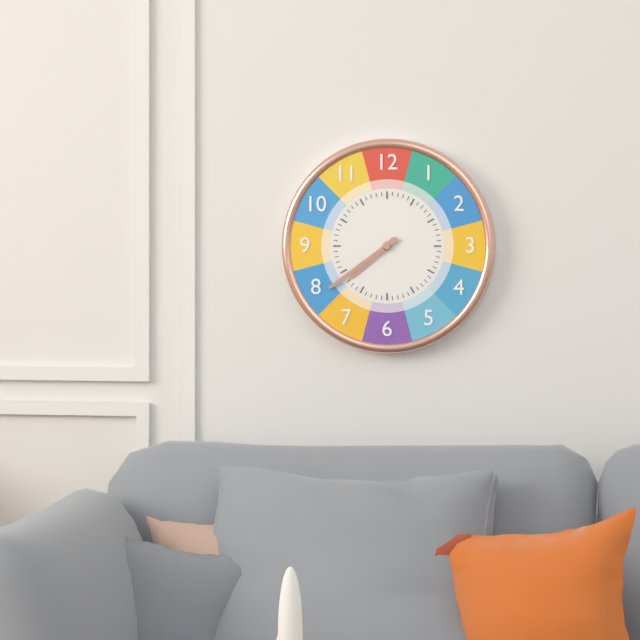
7.39
